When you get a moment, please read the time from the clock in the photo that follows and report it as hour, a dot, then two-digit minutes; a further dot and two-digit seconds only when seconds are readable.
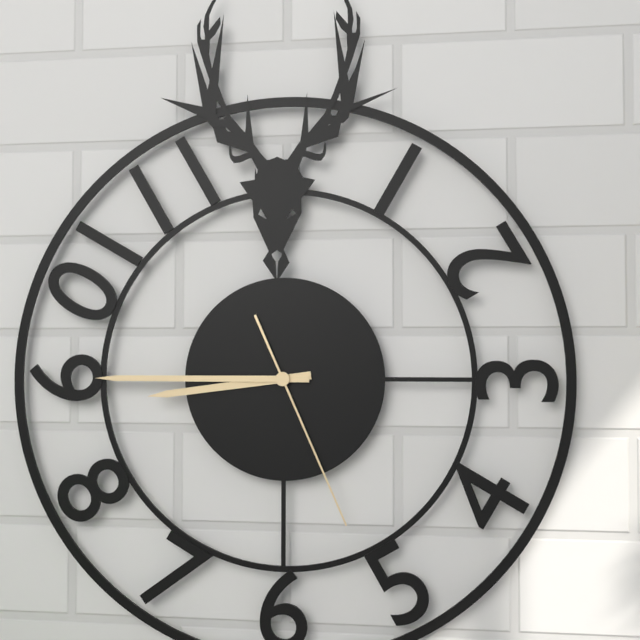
8.45.26
